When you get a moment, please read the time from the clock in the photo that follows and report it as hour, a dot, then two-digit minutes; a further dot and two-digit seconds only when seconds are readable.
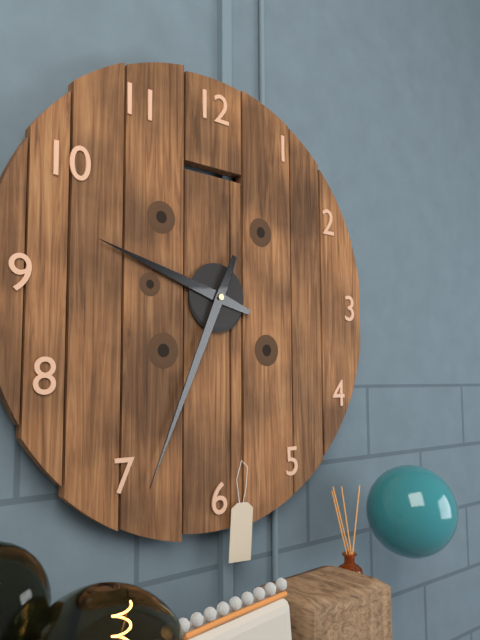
9.34
